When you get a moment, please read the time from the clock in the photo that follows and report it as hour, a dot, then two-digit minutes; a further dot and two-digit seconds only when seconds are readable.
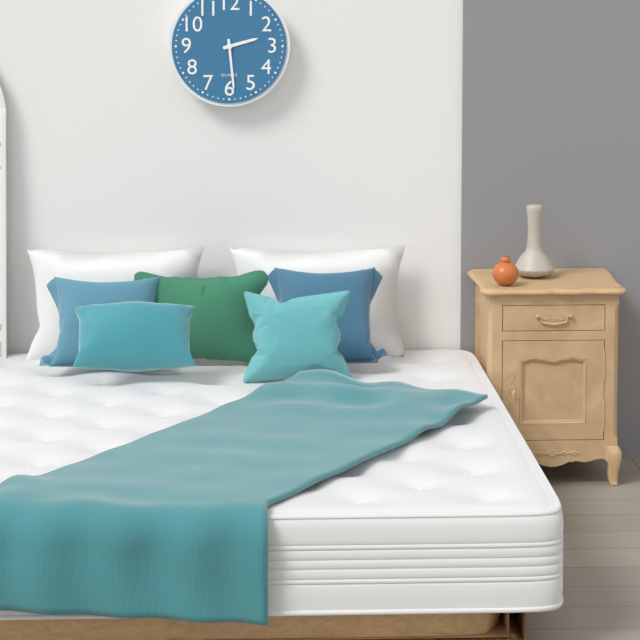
2.29
